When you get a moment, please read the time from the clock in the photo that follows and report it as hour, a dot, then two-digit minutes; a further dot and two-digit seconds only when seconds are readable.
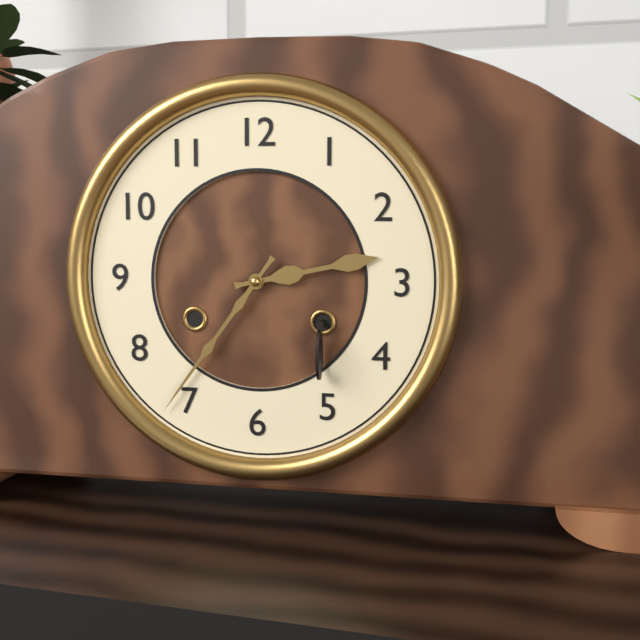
2.36
